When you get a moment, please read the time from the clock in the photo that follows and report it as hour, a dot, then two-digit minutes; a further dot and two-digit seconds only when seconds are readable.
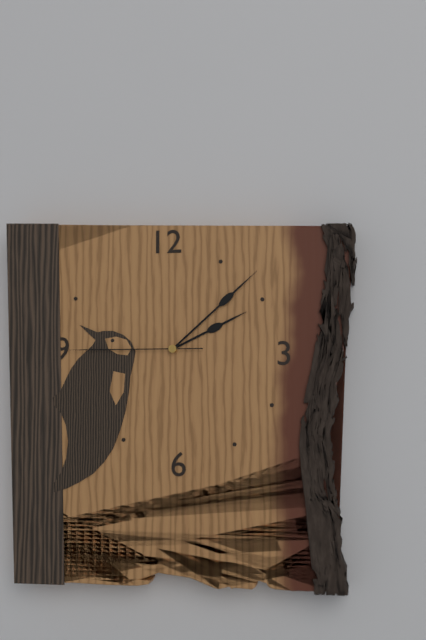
2.08.45
